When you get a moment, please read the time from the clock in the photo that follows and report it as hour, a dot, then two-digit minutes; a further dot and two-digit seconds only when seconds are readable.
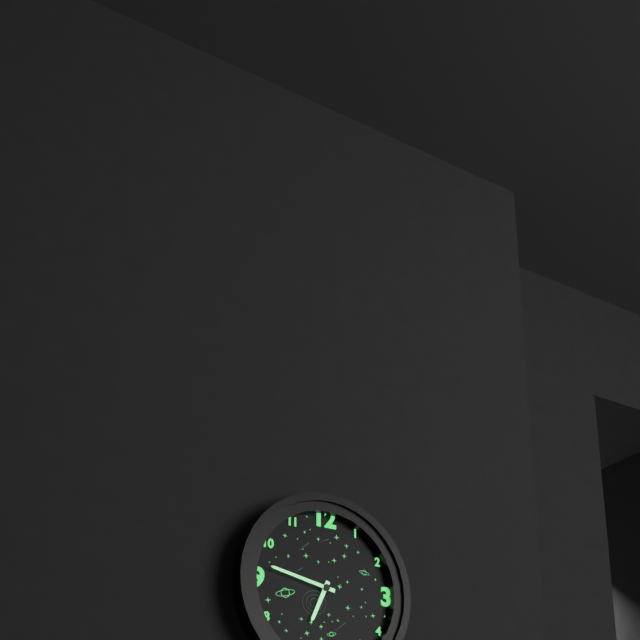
6.47
